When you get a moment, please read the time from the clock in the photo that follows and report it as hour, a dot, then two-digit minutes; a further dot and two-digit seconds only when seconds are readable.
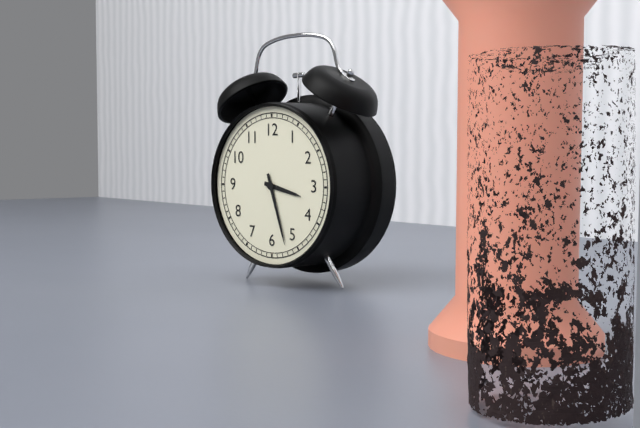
3.27
